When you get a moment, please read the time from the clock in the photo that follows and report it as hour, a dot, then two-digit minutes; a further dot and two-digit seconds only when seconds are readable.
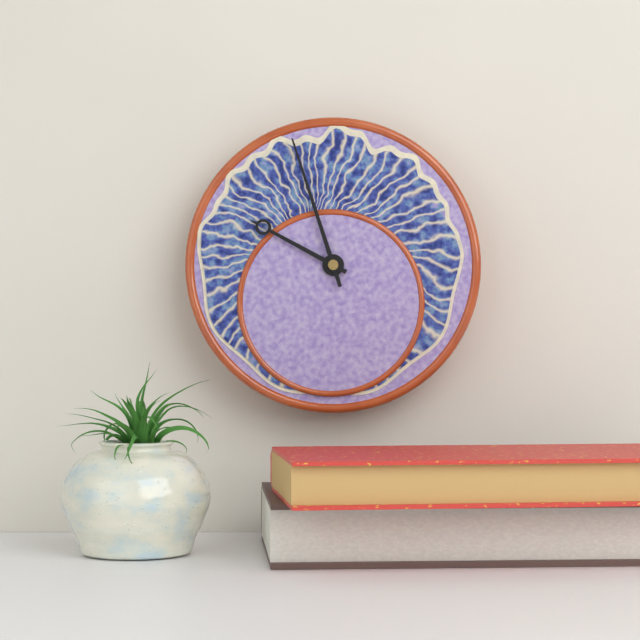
9.57
